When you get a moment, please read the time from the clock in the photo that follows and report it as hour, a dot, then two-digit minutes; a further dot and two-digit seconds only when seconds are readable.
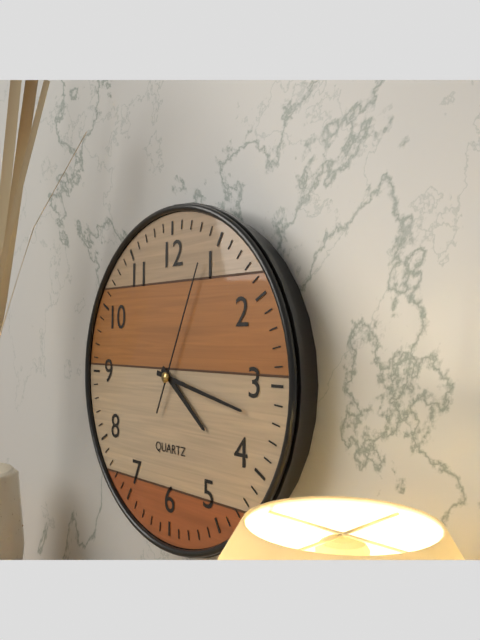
4.17.04
